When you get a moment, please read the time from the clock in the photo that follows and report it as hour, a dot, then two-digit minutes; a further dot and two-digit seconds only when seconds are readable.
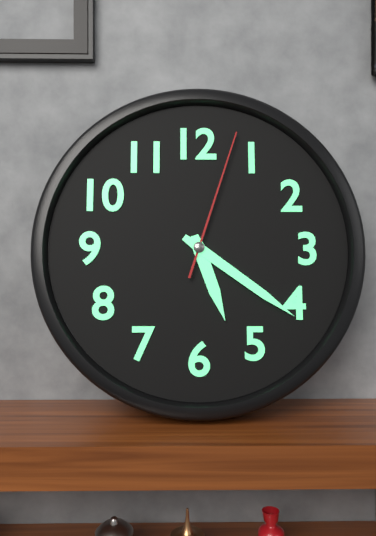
5.21.03
